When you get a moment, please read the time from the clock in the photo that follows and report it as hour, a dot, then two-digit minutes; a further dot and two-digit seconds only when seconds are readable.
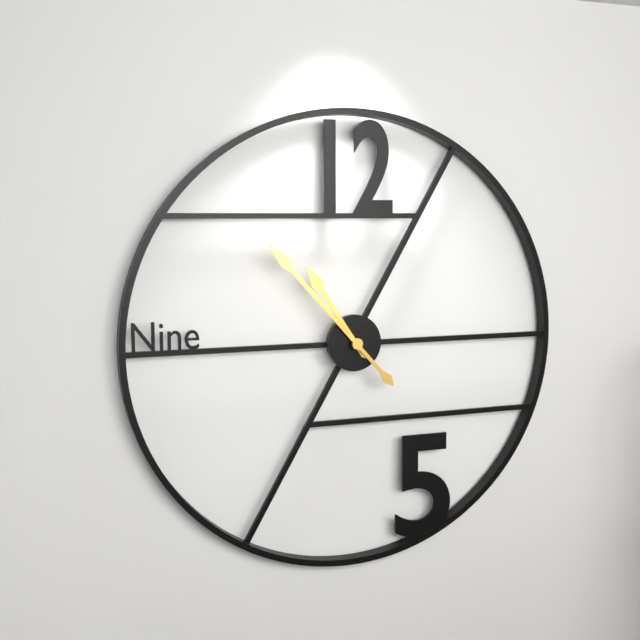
10.53
